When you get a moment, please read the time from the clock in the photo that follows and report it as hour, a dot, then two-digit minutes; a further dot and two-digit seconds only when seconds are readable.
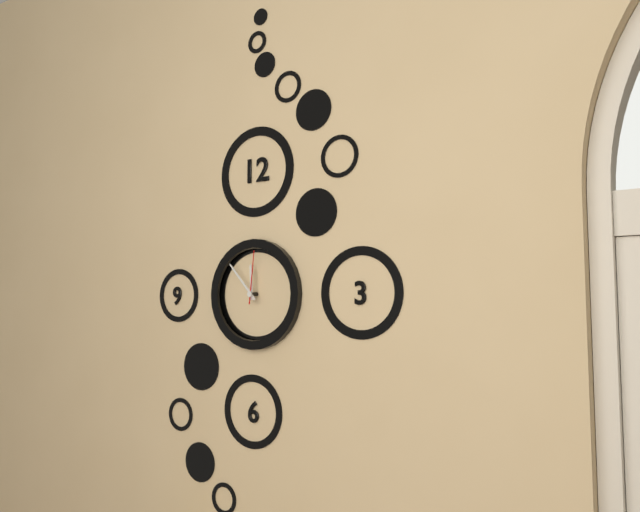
11.53.01
